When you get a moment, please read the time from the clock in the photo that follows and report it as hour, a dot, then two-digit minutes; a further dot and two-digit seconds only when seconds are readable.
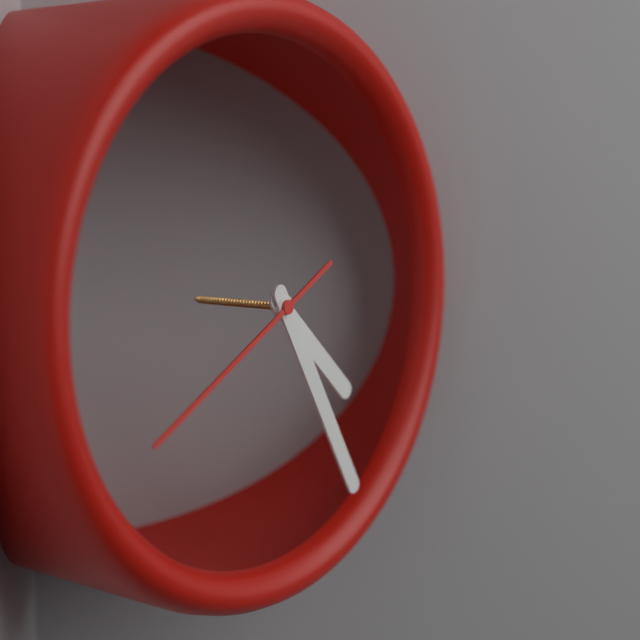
4.25.40
